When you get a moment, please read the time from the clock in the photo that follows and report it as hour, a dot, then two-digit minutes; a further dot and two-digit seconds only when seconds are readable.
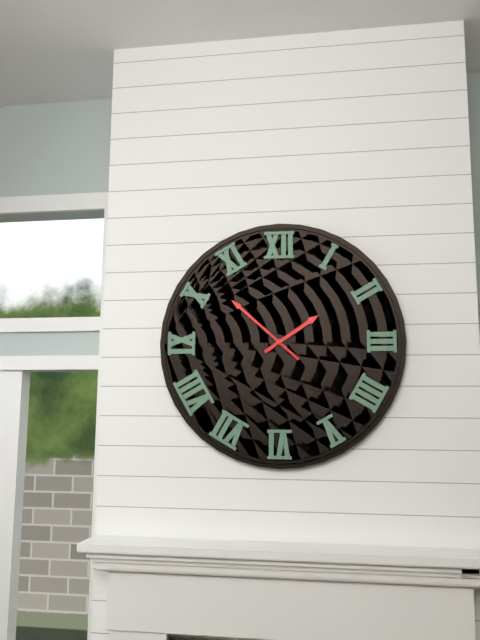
1.52
